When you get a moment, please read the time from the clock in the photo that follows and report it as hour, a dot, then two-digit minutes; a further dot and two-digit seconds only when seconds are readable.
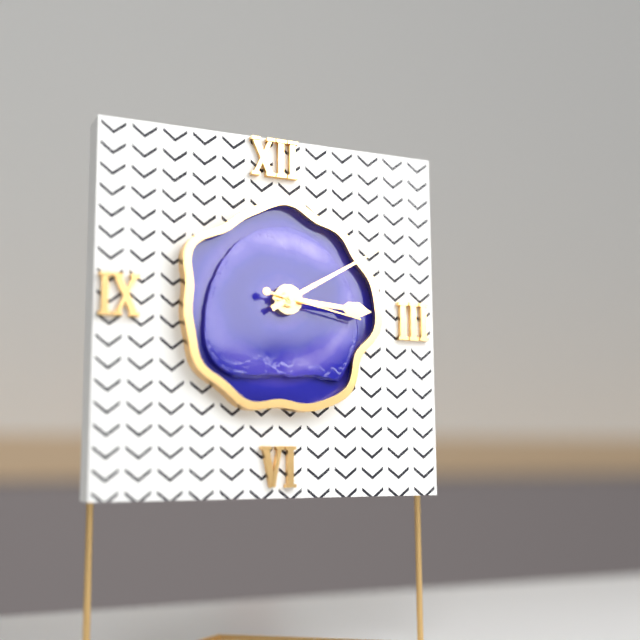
3.10.17
